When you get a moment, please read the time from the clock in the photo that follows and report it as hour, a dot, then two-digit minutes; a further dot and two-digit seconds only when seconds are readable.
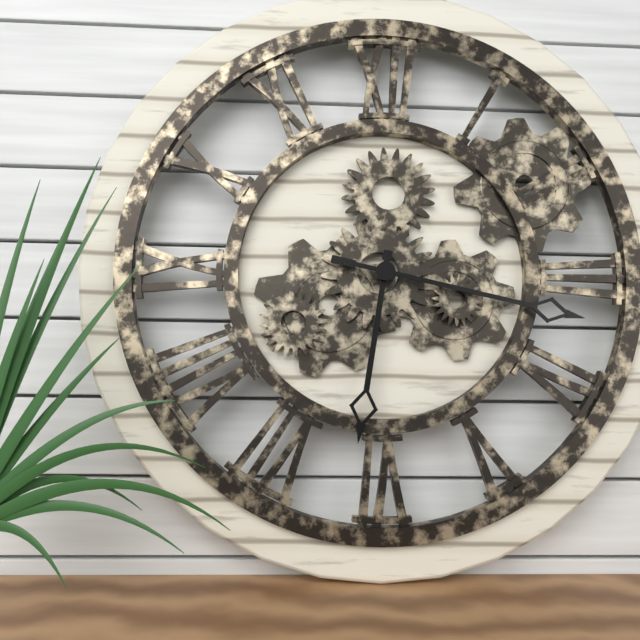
6.17
